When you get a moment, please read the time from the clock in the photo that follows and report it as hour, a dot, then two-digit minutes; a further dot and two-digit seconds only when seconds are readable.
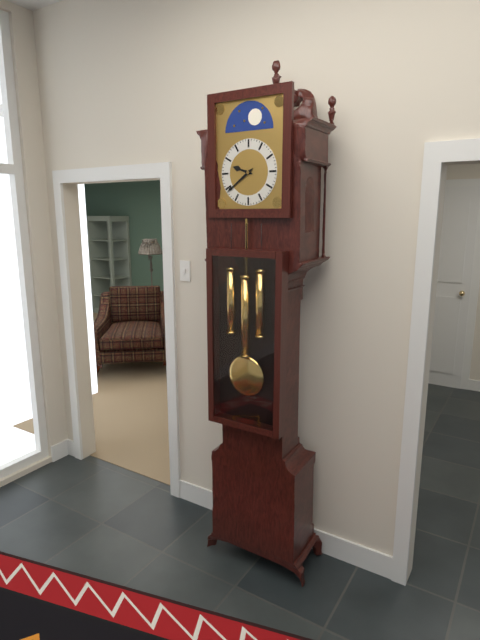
9.39
